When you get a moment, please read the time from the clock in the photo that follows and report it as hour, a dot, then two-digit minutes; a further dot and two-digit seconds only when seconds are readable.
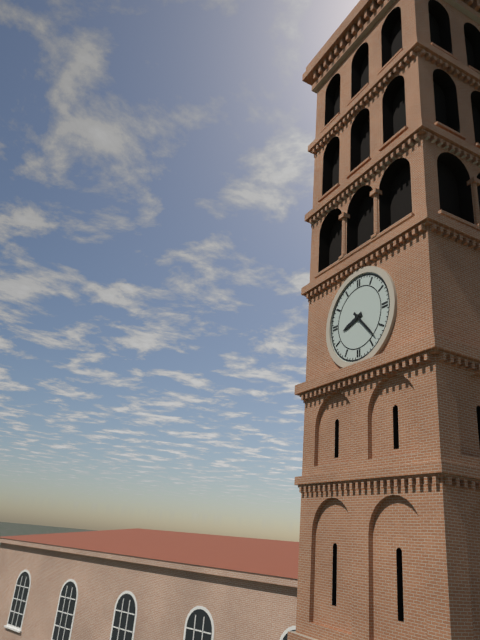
8.23
